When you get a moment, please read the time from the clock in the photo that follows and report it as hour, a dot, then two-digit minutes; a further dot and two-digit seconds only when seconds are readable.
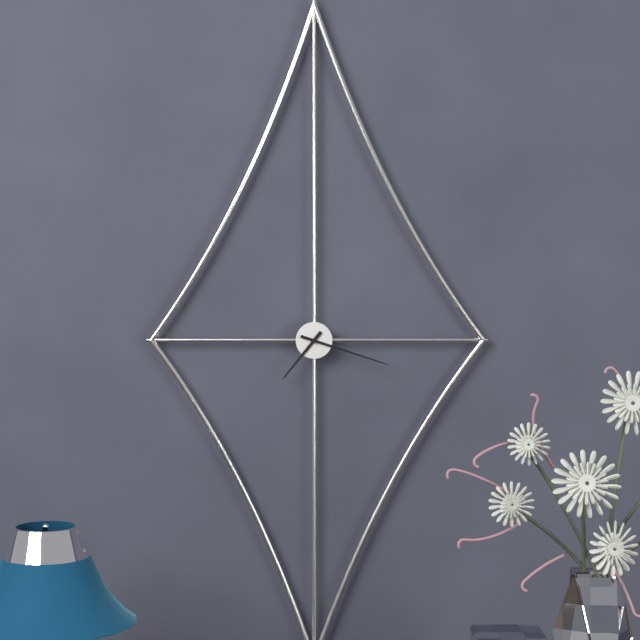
7.18
